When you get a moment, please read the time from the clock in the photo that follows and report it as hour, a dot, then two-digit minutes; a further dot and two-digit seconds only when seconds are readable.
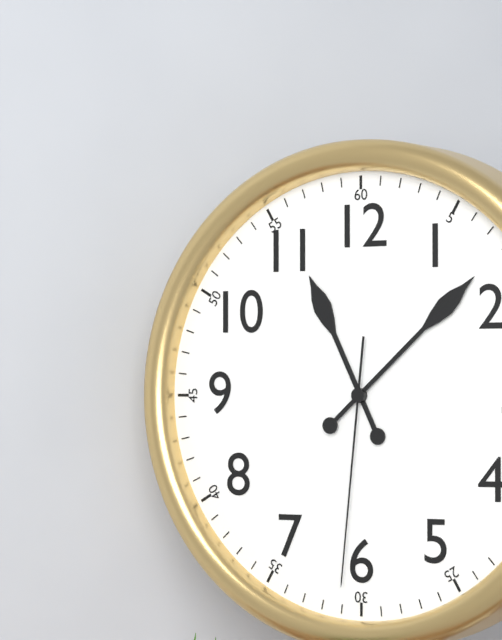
11.08.31
